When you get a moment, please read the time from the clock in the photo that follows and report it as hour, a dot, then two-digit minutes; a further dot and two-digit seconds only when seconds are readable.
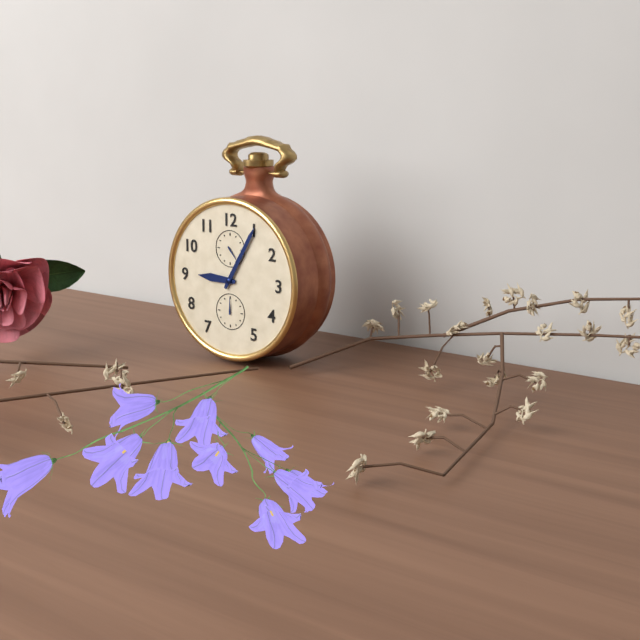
9.05
